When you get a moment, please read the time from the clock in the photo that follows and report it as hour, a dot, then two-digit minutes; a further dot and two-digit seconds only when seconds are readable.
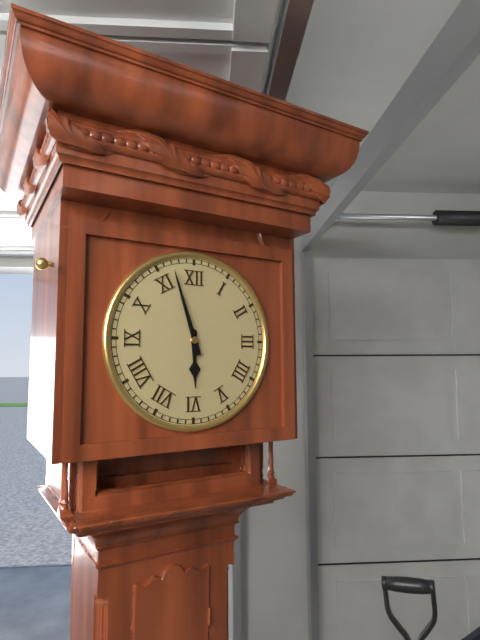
5.57
